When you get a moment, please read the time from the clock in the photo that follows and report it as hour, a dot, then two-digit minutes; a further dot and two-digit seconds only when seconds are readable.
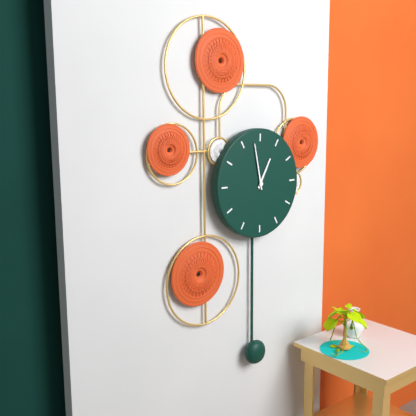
12.58
